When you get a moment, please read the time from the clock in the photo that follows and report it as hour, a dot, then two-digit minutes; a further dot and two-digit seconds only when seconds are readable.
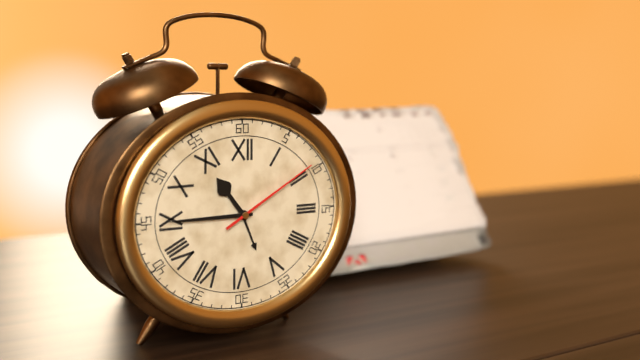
10.45.10
